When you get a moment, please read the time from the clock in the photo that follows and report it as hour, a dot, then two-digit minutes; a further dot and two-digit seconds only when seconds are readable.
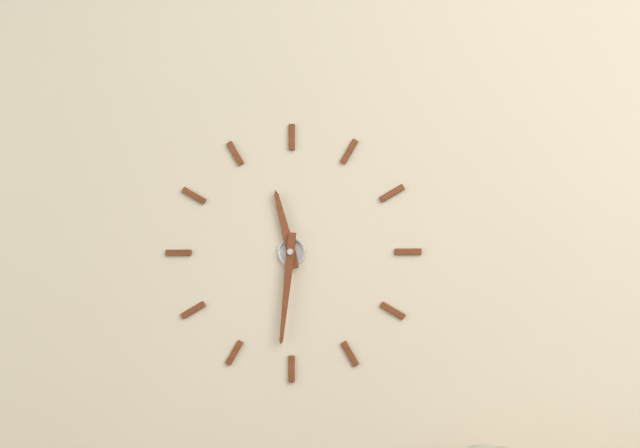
11.31
